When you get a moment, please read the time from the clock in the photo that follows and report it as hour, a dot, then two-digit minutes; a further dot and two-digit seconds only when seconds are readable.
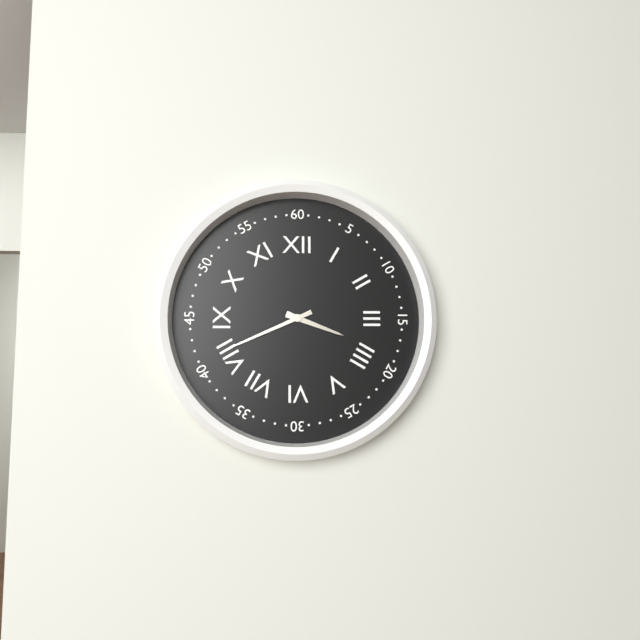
3.41
